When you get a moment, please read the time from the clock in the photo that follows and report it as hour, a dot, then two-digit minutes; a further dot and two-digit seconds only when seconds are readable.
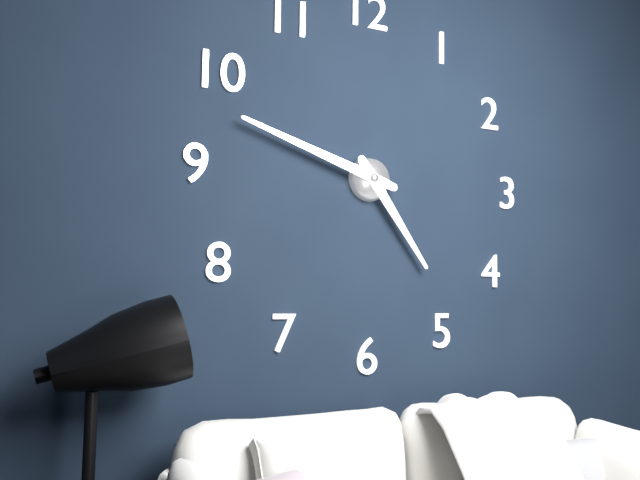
4.48
